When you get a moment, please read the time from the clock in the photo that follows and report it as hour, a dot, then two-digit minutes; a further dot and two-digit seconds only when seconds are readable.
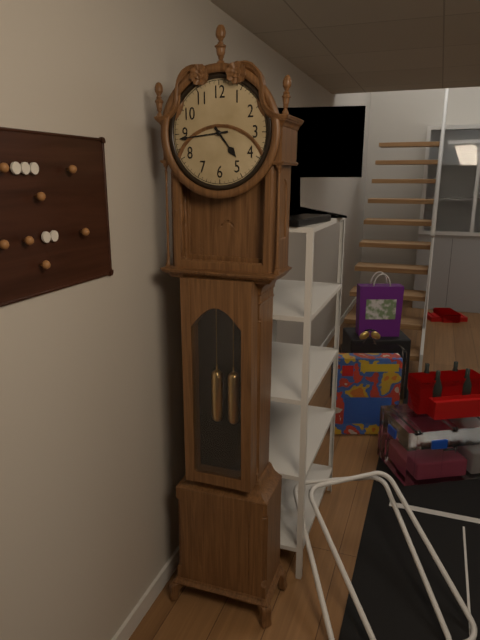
4.44
